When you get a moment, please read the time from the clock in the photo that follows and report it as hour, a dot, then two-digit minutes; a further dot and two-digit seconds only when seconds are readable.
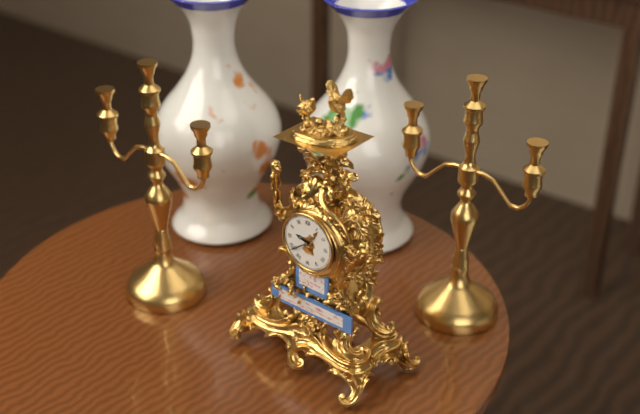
9.39
